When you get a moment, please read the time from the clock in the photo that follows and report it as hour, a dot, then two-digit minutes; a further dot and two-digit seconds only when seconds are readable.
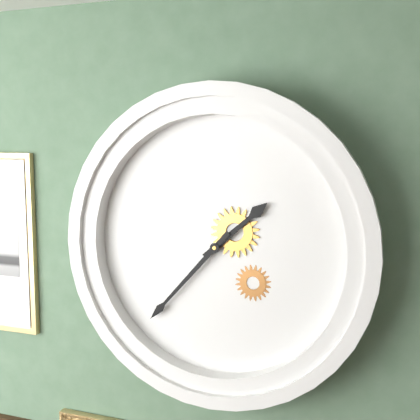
1.37
